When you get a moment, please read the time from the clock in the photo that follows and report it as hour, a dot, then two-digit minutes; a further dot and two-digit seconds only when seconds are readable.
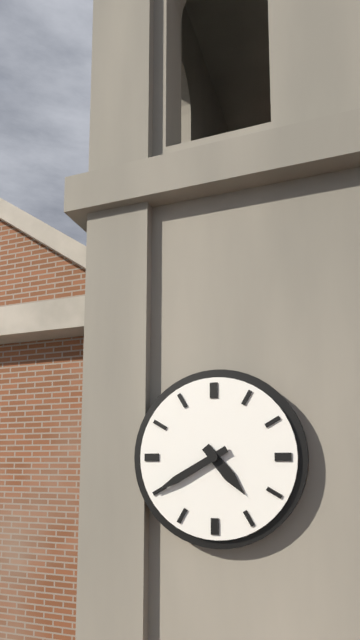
4.40
